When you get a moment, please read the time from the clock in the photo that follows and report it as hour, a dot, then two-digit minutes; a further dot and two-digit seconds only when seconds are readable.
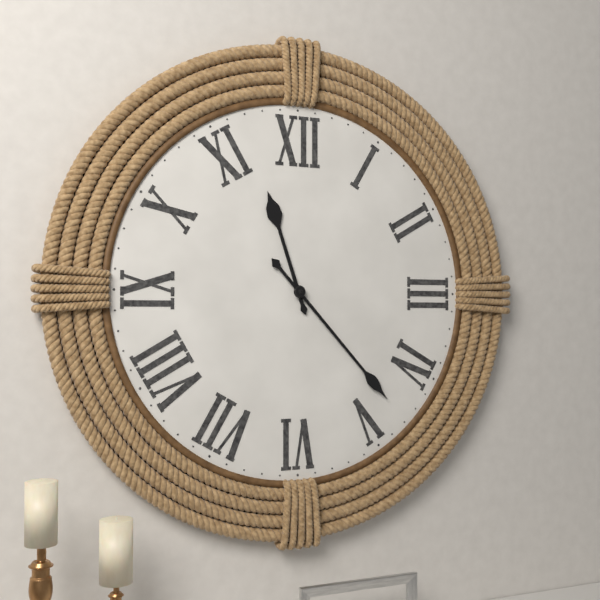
11.23
